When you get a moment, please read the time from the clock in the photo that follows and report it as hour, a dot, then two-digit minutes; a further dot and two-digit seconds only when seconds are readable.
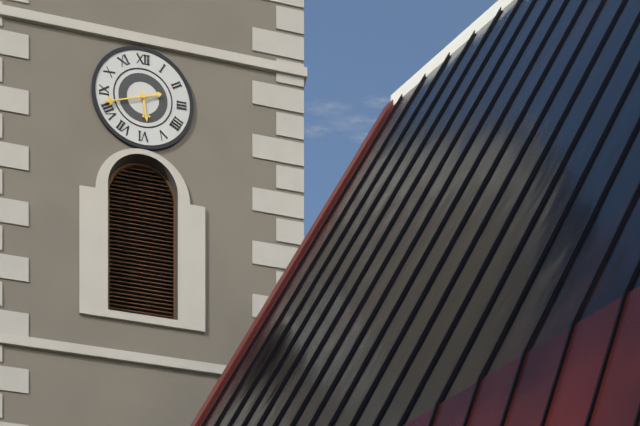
5.42
